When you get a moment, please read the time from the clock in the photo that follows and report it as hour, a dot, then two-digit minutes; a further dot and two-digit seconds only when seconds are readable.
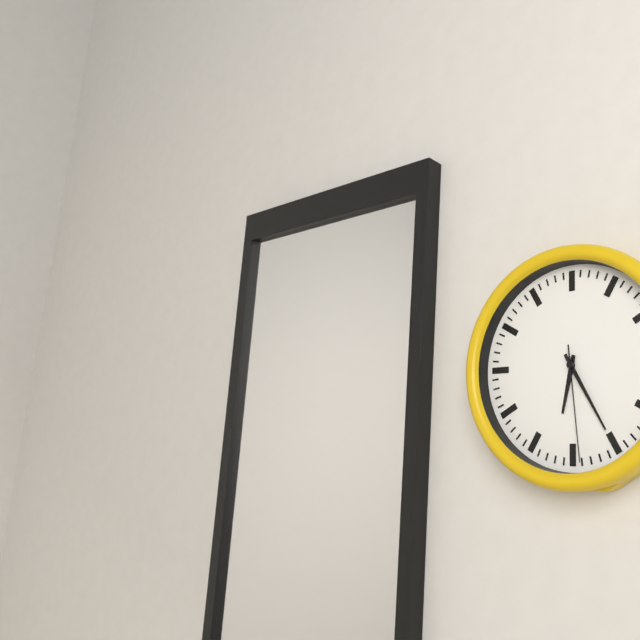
6.25.29
